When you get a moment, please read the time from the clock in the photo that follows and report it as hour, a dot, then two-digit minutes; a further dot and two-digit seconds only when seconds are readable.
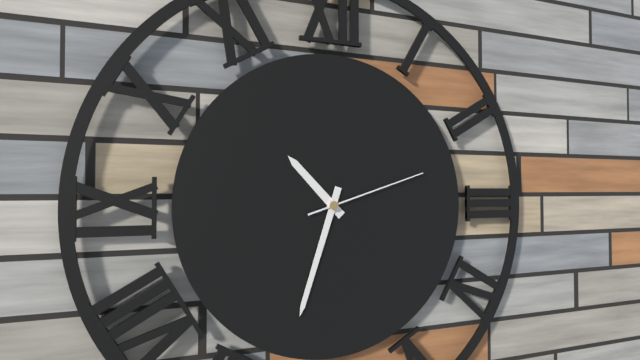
10.33.12
